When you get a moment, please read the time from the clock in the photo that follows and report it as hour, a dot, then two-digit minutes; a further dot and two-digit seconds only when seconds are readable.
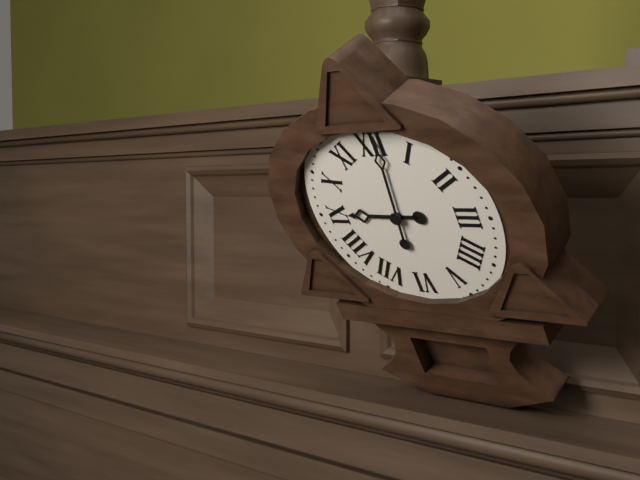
9.01
